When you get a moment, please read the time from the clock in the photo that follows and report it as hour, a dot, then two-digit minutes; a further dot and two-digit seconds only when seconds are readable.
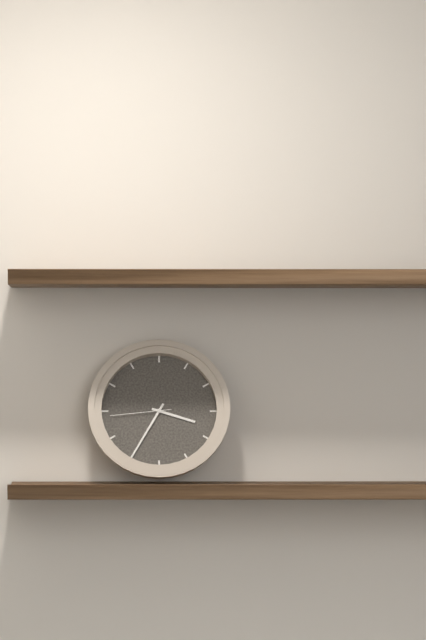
3.35.44
